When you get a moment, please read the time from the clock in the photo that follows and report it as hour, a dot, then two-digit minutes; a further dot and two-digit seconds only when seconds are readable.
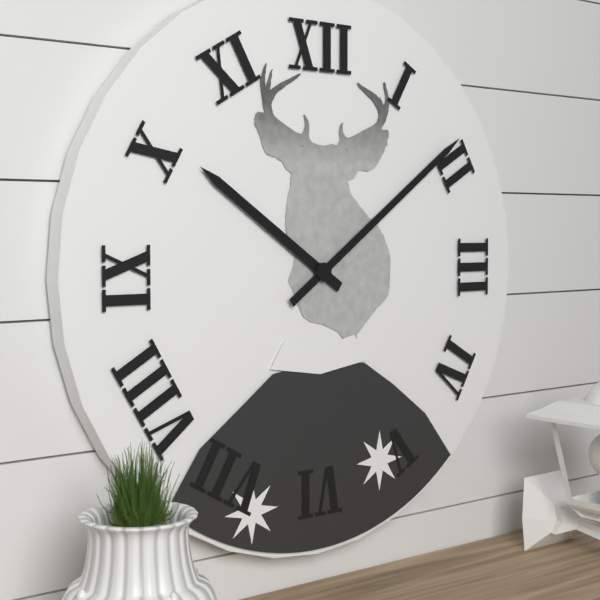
10.09
